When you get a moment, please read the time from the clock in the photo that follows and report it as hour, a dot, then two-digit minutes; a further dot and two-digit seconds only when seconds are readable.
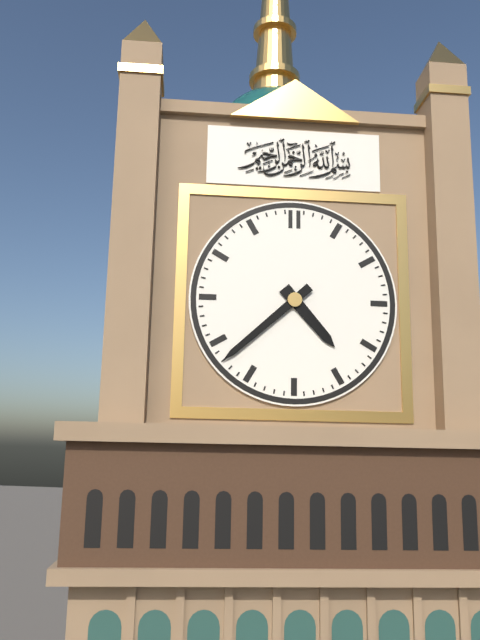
4.38
